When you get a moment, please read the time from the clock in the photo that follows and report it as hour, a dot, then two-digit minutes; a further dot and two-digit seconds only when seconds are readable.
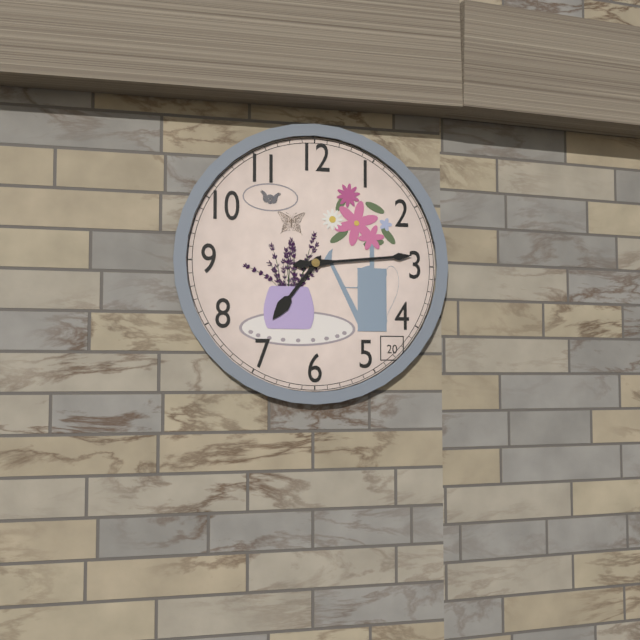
7.14
